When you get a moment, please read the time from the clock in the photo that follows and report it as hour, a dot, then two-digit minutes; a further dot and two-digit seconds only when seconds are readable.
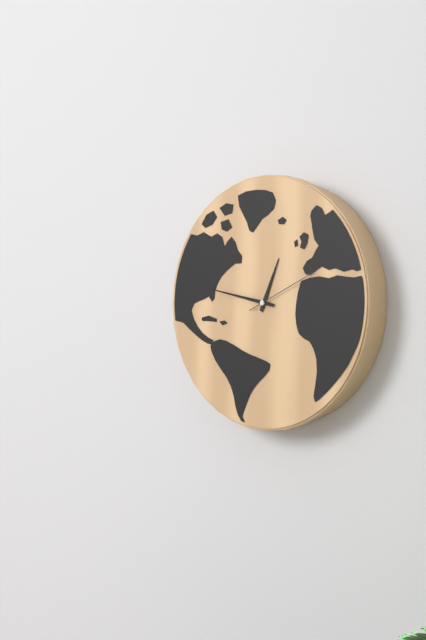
12.47.11
